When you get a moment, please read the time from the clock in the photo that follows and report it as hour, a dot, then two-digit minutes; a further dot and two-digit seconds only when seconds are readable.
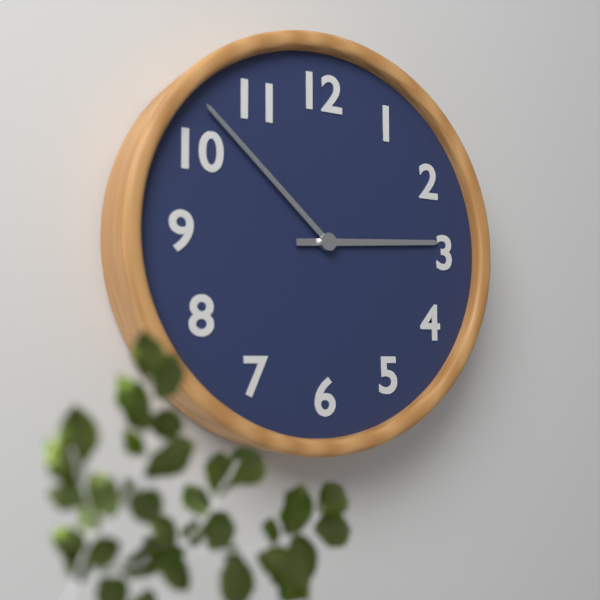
2.52
